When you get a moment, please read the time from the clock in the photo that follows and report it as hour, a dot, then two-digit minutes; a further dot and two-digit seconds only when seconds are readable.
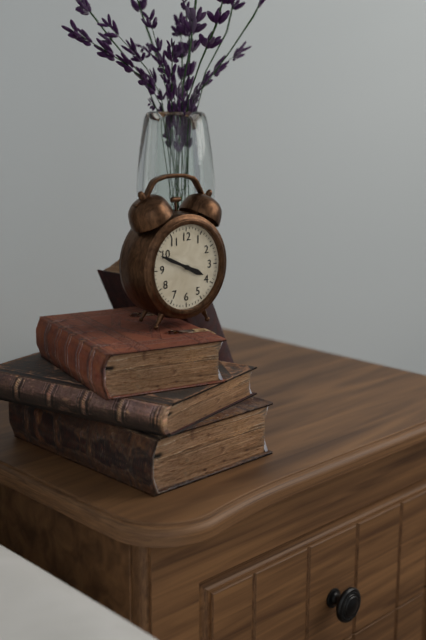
3.49
